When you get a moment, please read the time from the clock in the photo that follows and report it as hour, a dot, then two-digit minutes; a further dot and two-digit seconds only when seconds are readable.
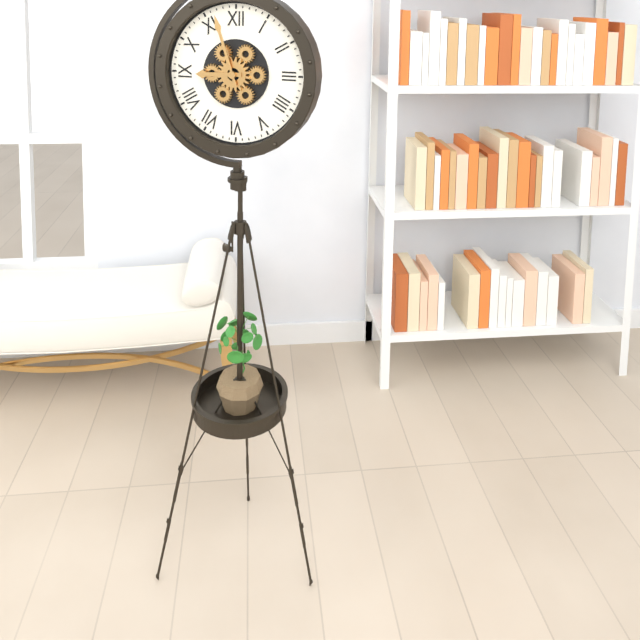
8.57
